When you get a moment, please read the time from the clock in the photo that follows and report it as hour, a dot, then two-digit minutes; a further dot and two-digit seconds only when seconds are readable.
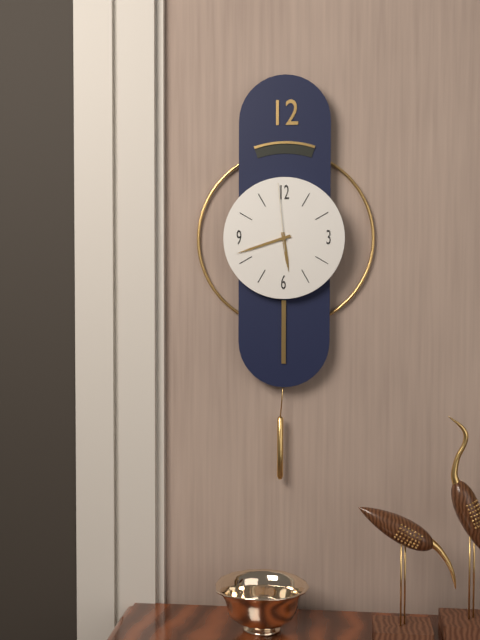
5.42.59
